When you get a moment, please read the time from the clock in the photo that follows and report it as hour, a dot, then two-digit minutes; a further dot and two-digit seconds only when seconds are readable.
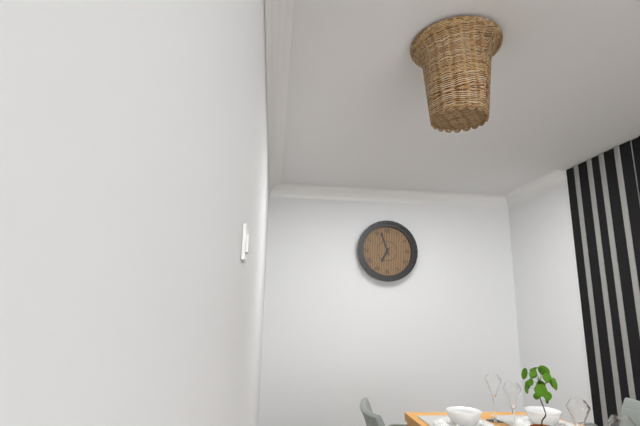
6.57
